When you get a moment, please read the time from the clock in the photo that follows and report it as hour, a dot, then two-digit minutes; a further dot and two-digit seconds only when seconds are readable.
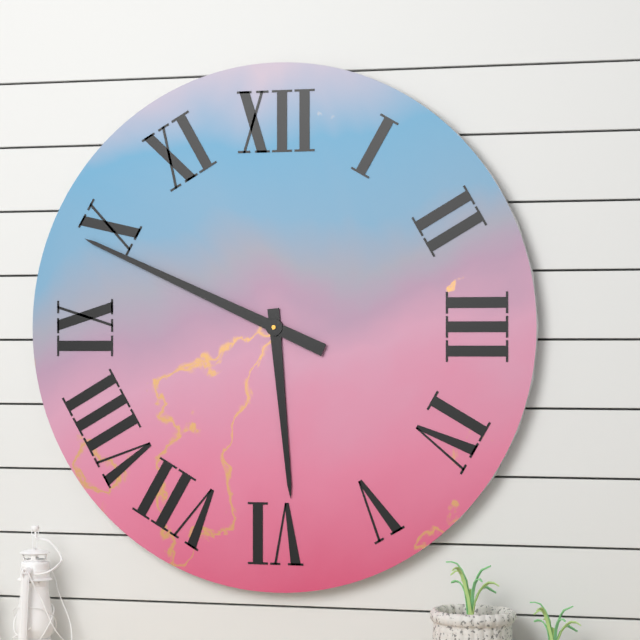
5.49
